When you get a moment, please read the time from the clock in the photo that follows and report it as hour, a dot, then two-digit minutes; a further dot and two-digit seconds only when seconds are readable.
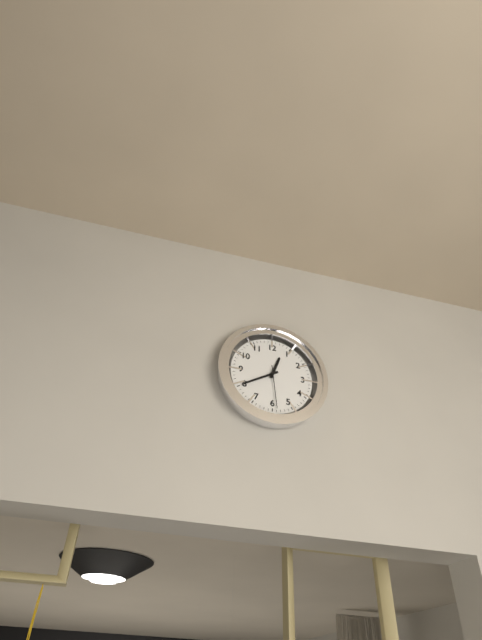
12.40
